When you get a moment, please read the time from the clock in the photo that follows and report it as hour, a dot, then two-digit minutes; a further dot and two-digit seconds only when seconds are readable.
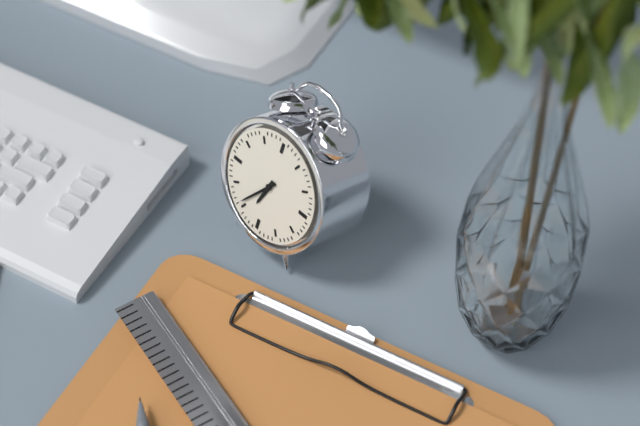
6.36
